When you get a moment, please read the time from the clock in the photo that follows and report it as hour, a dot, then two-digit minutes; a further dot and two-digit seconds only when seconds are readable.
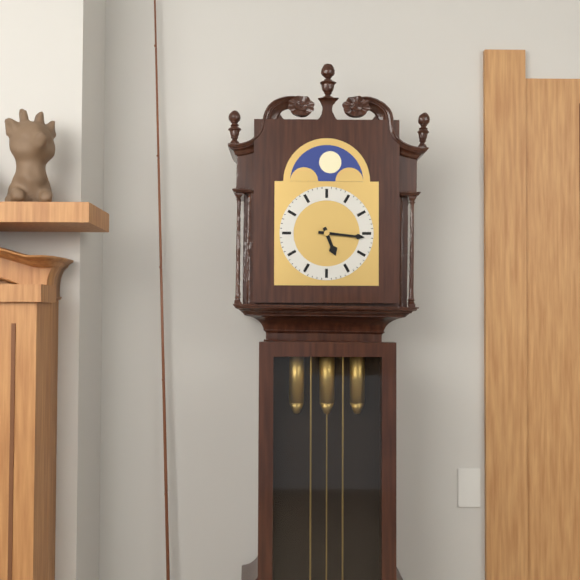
5.16
